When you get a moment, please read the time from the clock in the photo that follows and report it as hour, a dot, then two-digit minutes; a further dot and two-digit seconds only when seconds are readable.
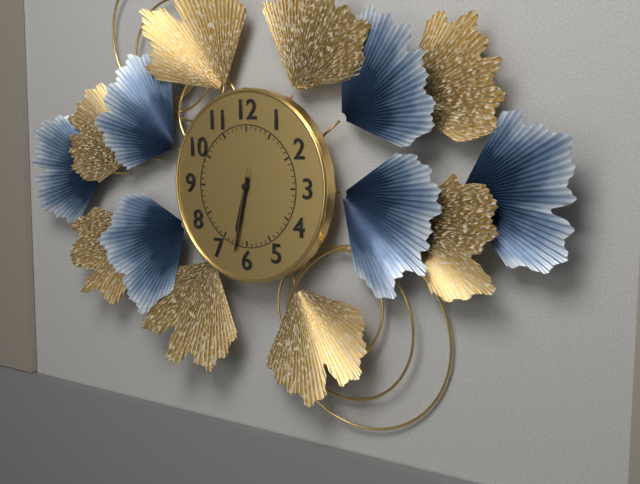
6.32.32
